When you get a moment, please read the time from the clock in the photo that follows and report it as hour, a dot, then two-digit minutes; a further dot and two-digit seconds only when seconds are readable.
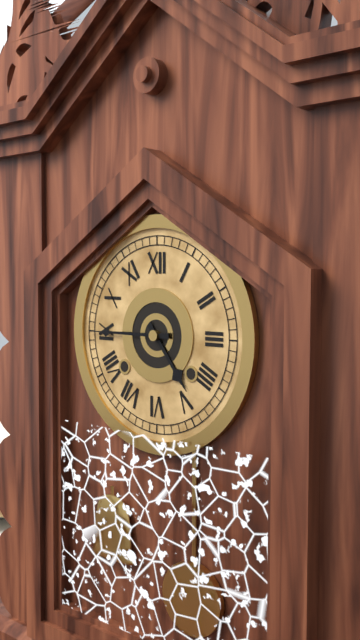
4.45
